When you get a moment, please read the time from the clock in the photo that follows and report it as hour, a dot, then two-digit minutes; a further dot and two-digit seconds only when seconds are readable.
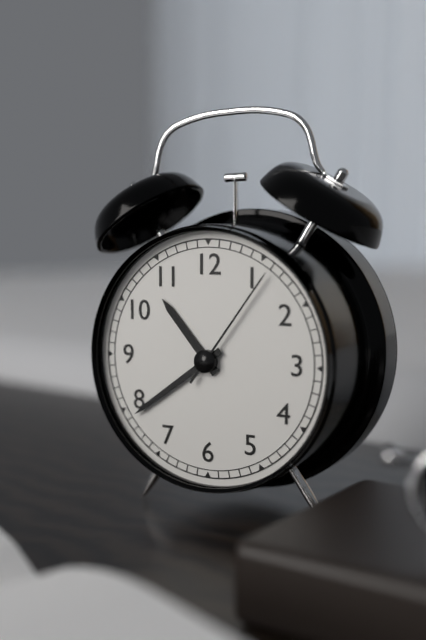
10.39.06
